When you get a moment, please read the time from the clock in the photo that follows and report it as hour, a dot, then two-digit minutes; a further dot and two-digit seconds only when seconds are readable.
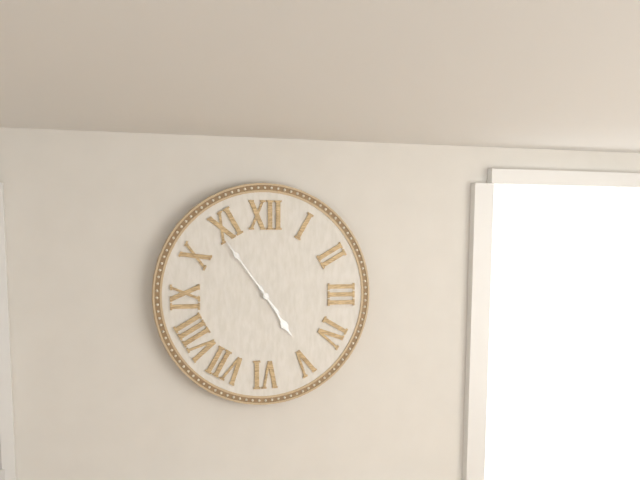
4.54
